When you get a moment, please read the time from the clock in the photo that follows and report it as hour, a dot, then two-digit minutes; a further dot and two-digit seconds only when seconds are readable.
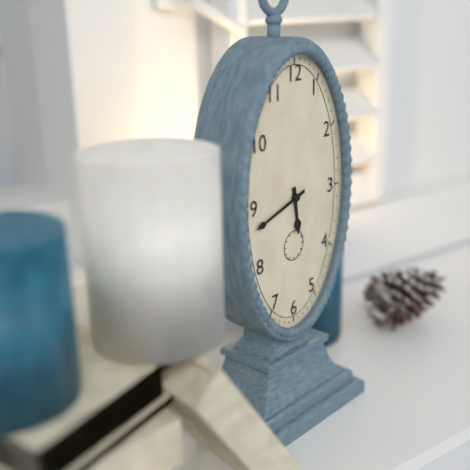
5.42
